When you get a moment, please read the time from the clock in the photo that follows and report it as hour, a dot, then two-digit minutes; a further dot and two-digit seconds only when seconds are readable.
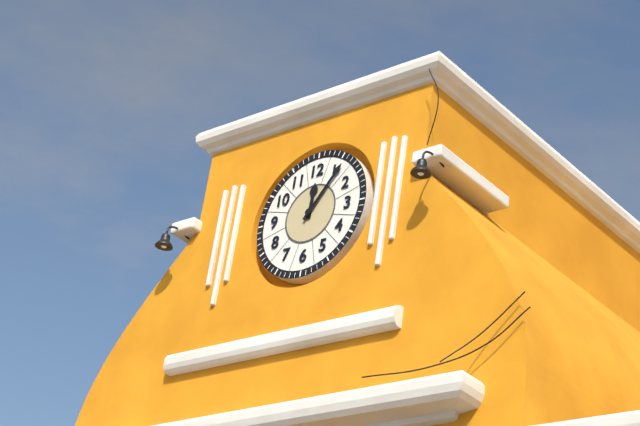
12.06
